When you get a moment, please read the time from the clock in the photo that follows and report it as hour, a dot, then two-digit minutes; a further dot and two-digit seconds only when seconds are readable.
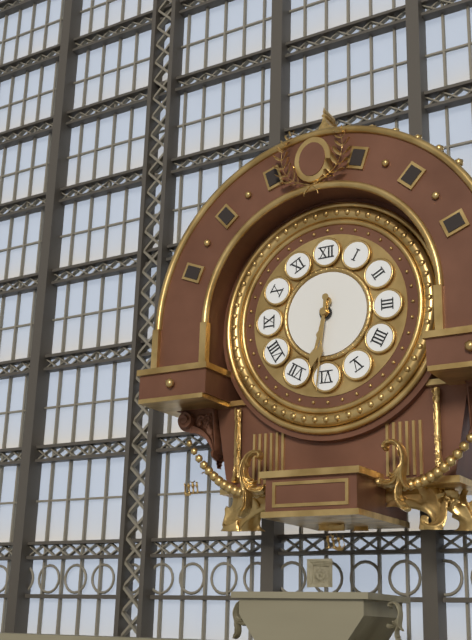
6.31
